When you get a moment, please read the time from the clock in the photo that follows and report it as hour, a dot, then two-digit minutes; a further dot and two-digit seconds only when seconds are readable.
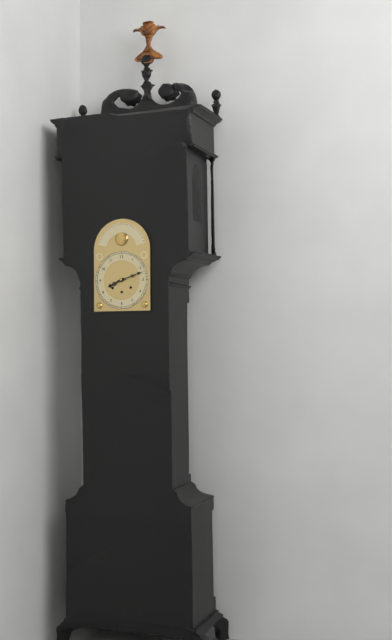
8.12
